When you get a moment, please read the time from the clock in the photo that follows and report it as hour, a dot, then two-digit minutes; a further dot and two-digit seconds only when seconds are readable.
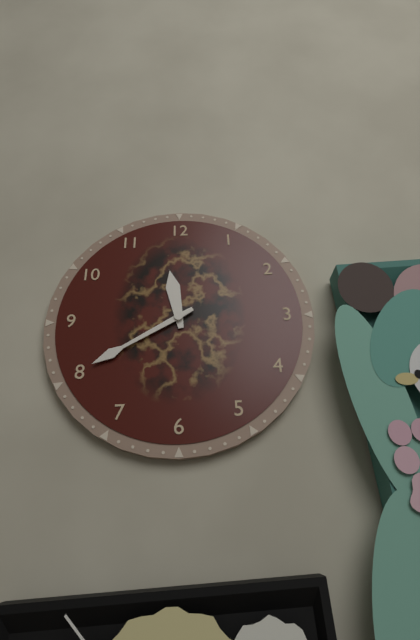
11.40
